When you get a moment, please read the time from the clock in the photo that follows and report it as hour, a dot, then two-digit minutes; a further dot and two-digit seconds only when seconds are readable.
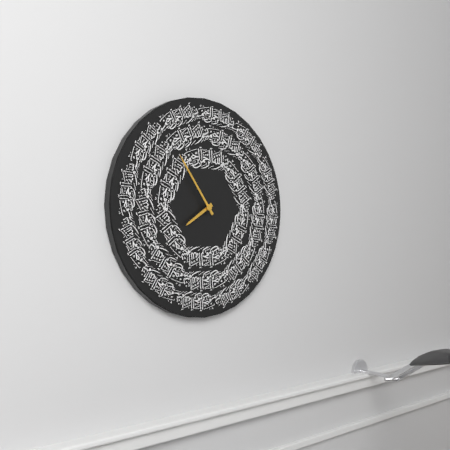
7.54
